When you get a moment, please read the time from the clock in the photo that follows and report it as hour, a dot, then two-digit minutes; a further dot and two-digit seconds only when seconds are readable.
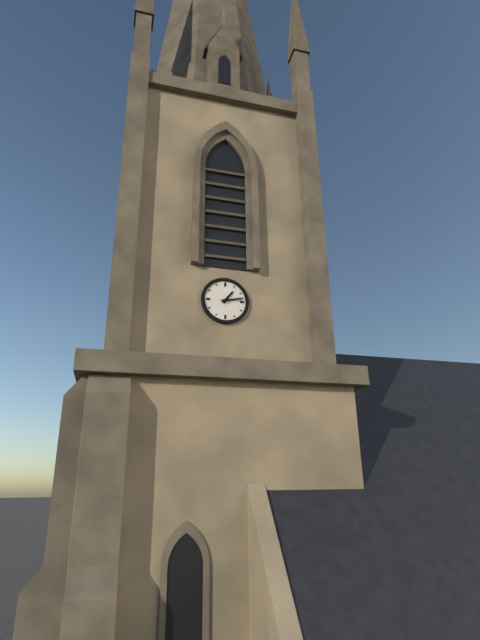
1.13
